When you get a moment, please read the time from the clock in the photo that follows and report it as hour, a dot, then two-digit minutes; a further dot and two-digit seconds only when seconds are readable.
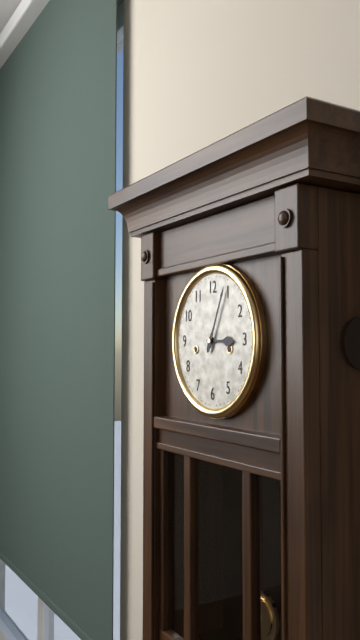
3.04
